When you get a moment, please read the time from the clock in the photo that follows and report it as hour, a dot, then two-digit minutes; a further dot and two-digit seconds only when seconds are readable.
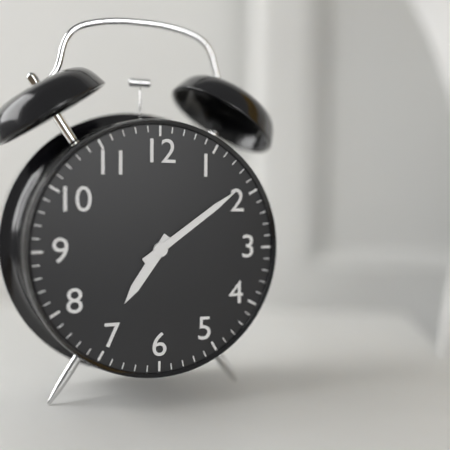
7.09
